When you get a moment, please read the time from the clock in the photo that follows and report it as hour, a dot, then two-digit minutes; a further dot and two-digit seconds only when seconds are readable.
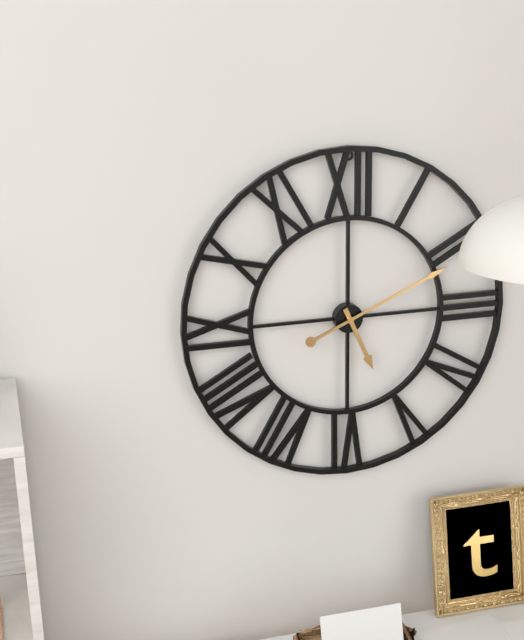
5.11
